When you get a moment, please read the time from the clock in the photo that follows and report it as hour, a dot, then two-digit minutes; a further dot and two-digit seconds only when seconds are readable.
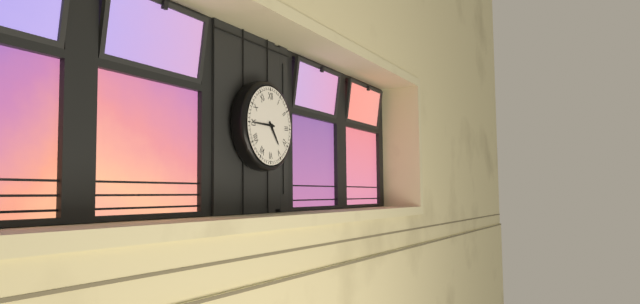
4.45
